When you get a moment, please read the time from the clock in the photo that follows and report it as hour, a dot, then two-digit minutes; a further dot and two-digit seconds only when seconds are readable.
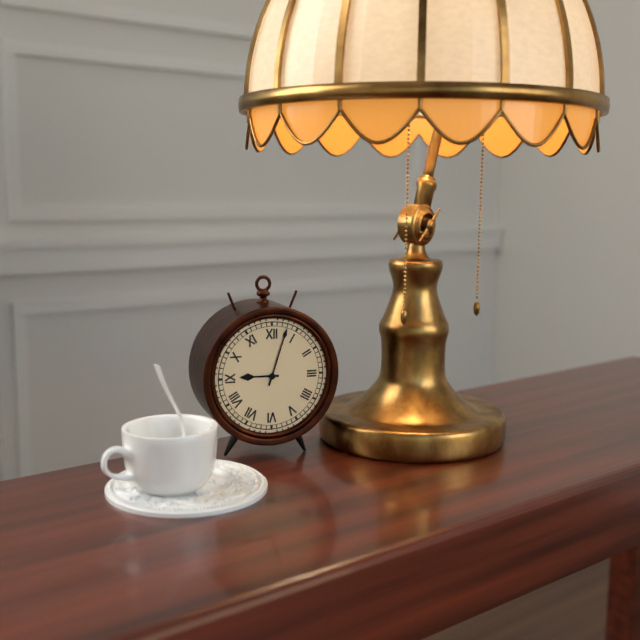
9.03
